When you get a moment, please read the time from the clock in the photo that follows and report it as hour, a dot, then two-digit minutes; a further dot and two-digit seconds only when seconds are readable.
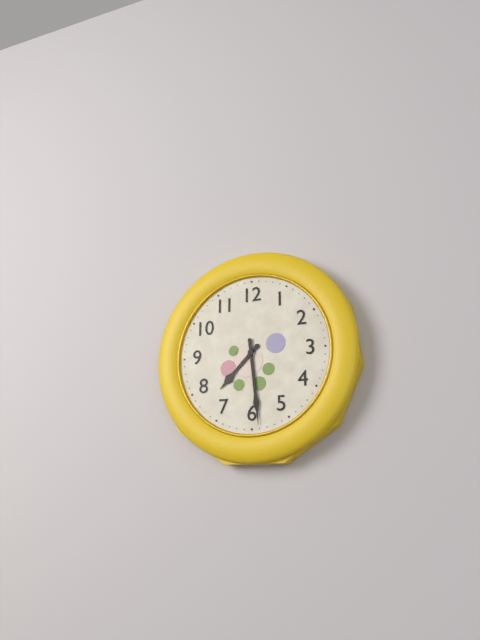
7.29
